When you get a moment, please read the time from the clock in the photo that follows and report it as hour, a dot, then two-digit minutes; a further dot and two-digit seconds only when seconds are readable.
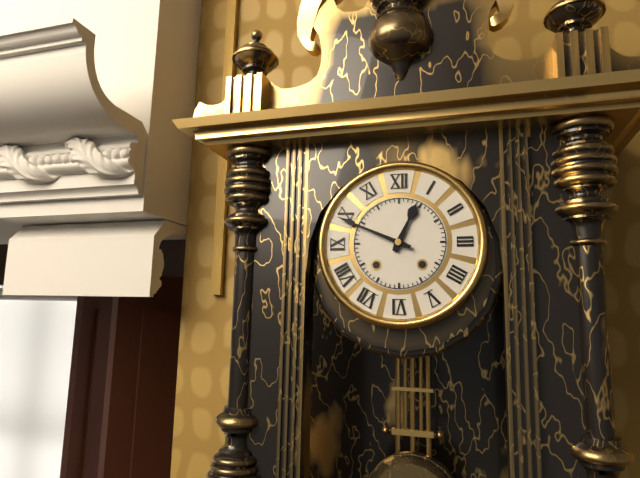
12.49
